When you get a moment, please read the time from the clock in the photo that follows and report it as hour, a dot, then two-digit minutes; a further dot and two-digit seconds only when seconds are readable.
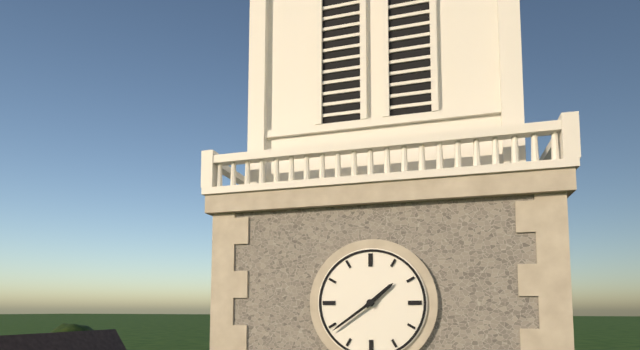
1.39
